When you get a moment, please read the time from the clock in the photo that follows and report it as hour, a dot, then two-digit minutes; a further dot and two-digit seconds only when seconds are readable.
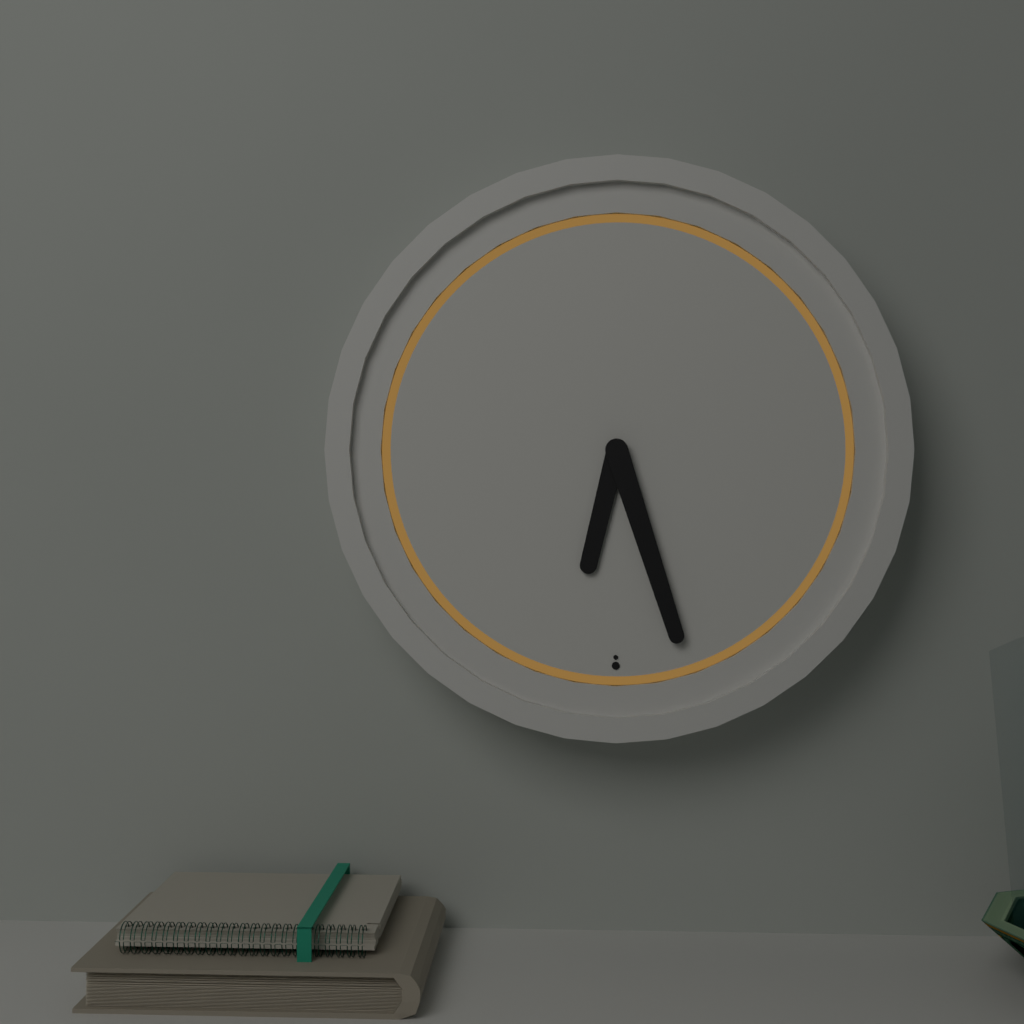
6.27
